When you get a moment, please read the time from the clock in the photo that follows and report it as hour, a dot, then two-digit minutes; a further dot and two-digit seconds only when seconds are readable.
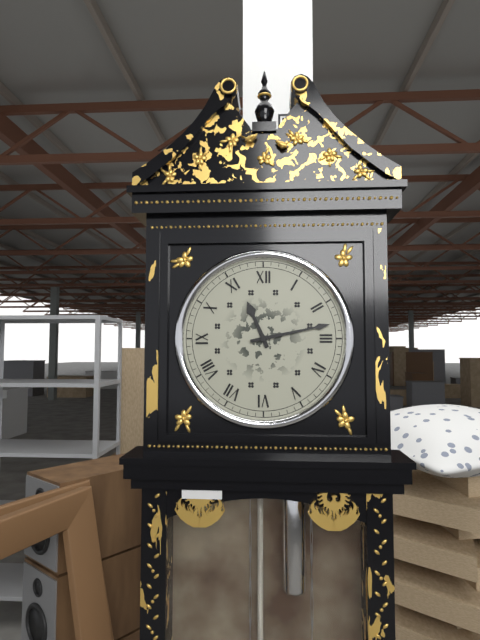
11.13
